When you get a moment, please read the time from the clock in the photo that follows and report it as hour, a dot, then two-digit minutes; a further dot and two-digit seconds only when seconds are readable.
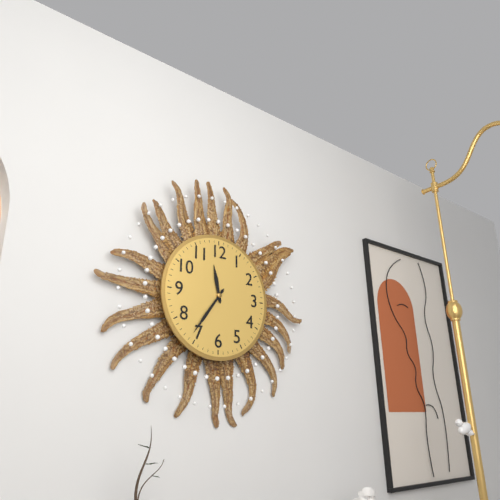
11.36
